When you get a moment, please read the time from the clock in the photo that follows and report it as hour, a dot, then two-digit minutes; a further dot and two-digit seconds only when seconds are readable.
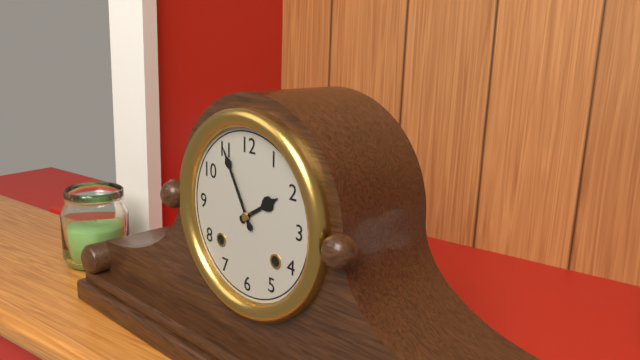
1.55
